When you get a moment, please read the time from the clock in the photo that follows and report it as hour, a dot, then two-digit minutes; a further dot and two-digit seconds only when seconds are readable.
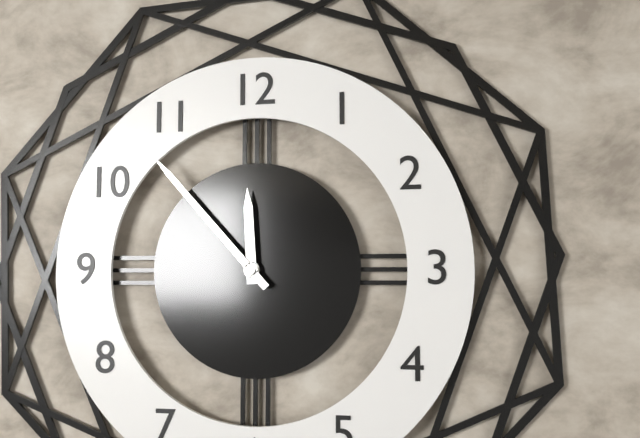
11.53
